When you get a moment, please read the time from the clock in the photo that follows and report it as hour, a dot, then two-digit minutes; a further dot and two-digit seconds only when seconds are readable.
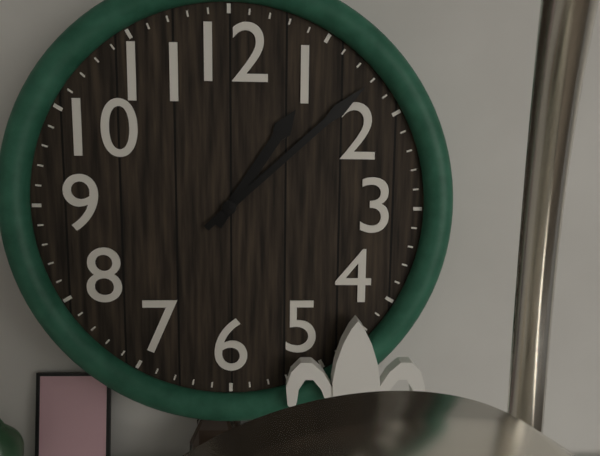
1.08
